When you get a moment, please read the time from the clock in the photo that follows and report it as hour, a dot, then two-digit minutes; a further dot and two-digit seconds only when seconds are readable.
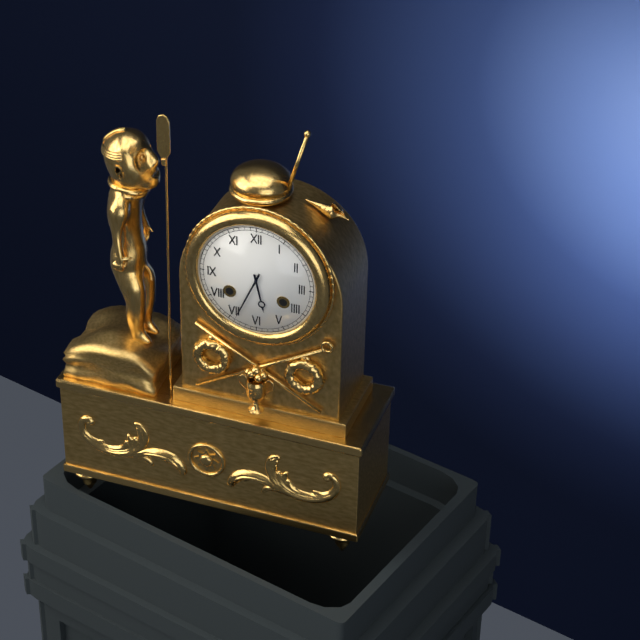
5.34
